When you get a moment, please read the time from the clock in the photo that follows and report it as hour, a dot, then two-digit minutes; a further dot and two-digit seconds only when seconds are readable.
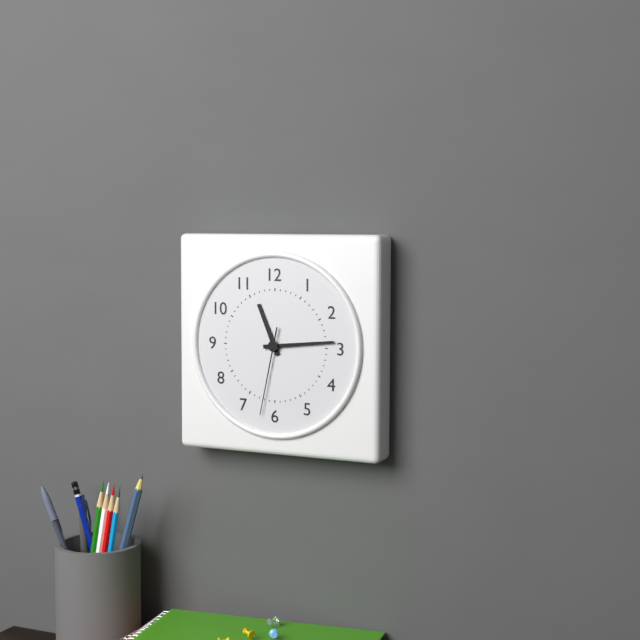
11.14.32
